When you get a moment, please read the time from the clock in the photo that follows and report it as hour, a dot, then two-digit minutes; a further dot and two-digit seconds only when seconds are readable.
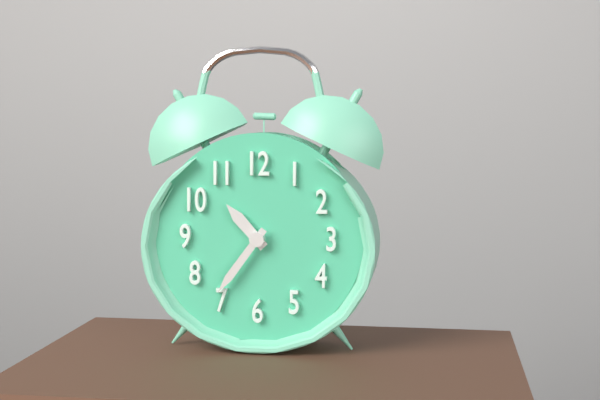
10.36
